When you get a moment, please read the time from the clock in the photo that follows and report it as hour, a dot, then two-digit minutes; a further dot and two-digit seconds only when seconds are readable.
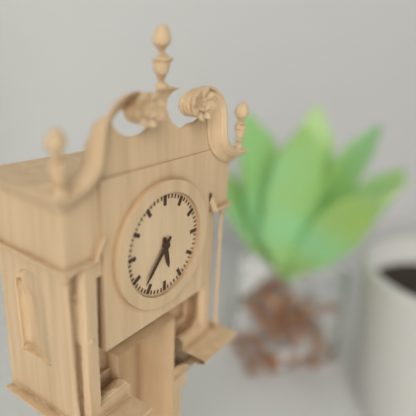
5.37
